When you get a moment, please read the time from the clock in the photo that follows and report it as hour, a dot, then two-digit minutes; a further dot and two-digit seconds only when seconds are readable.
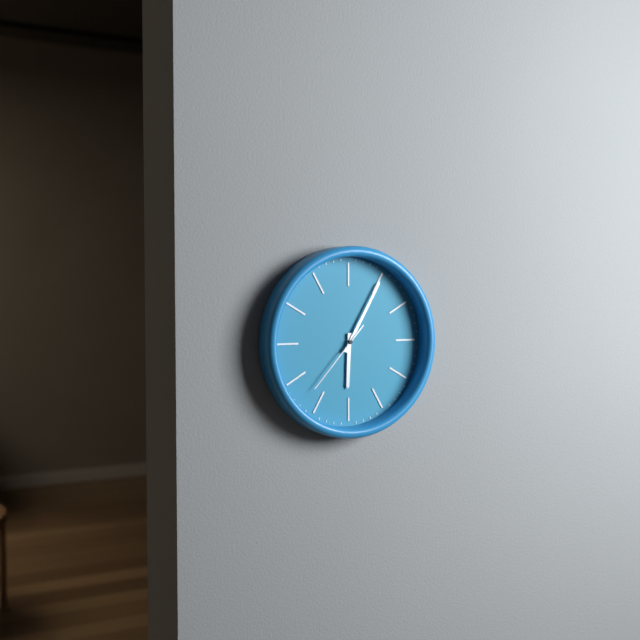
6.05.37
